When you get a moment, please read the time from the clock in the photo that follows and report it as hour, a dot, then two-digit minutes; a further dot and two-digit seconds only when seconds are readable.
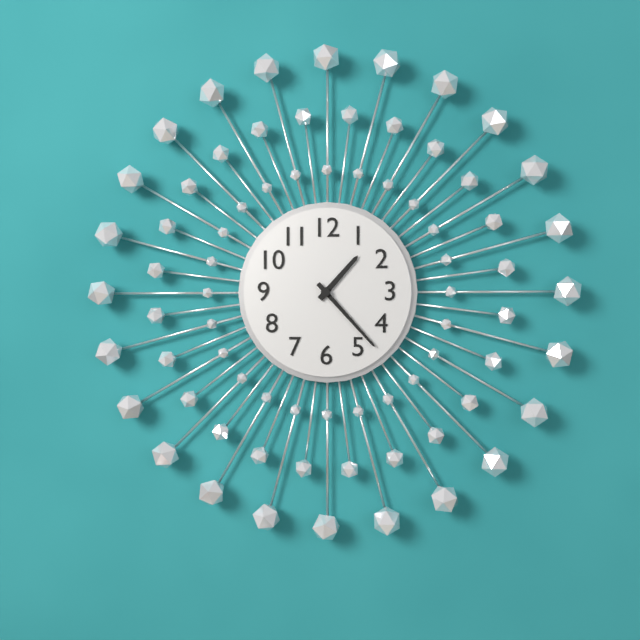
1.23
